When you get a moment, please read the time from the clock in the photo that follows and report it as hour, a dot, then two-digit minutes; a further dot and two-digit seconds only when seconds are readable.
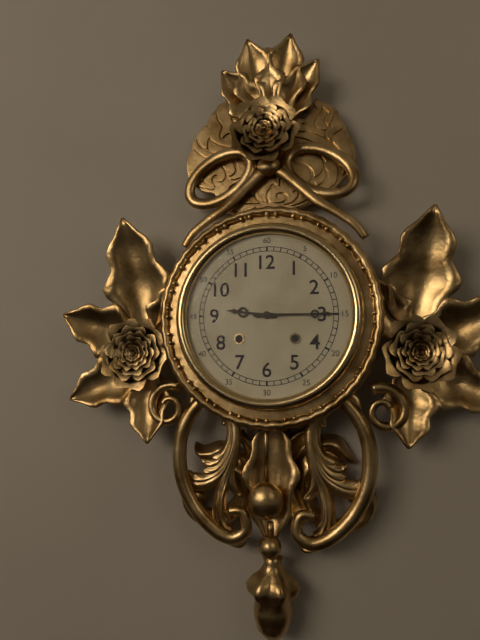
9.15
